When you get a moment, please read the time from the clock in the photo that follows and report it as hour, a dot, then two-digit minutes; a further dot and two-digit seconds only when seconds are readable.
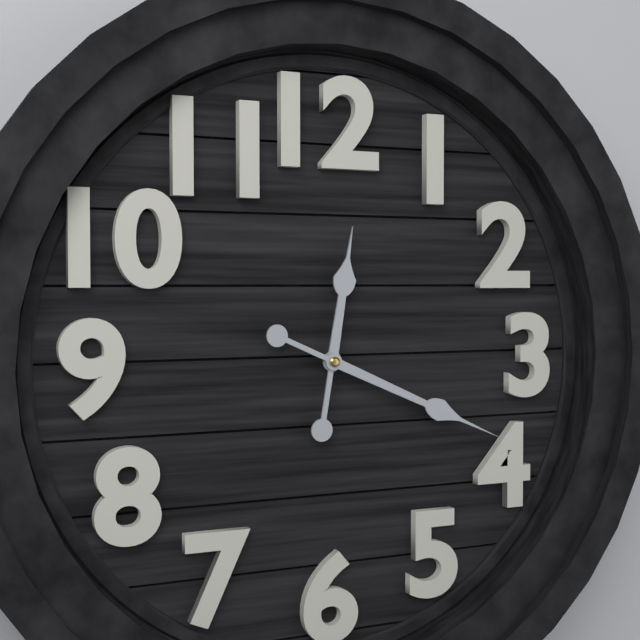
12.19
